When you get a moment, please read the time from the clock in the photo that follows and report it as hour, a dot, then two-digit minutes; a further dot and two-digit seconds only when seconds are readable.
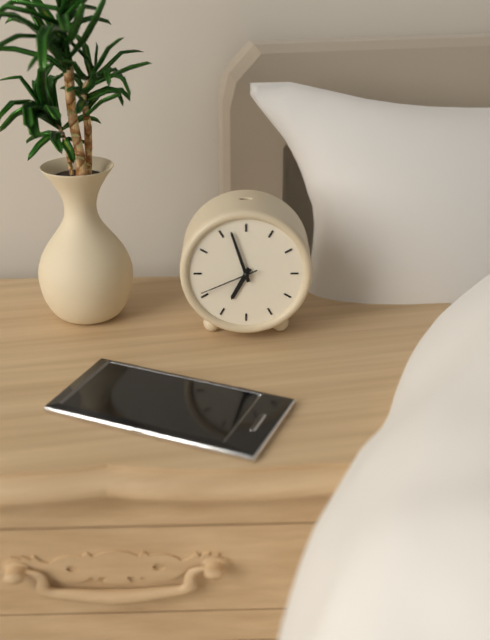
6.57.41
